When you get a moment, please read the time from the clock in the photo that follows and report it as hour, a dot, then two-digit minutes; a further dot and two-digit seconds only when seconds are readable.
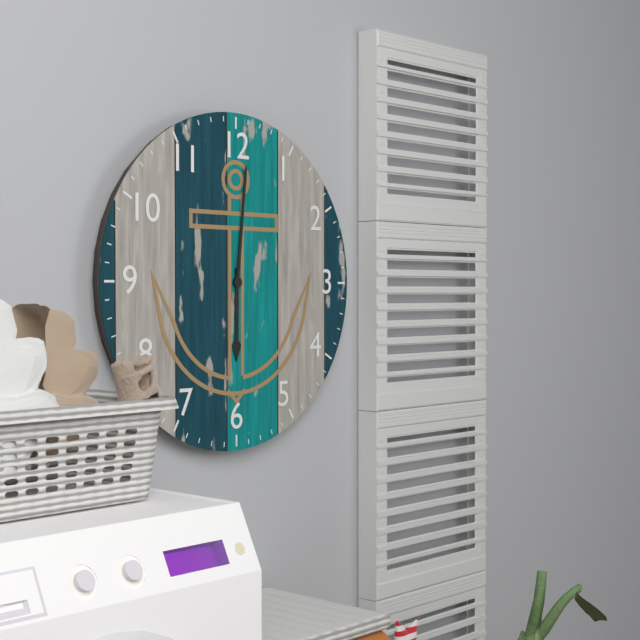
6.01
